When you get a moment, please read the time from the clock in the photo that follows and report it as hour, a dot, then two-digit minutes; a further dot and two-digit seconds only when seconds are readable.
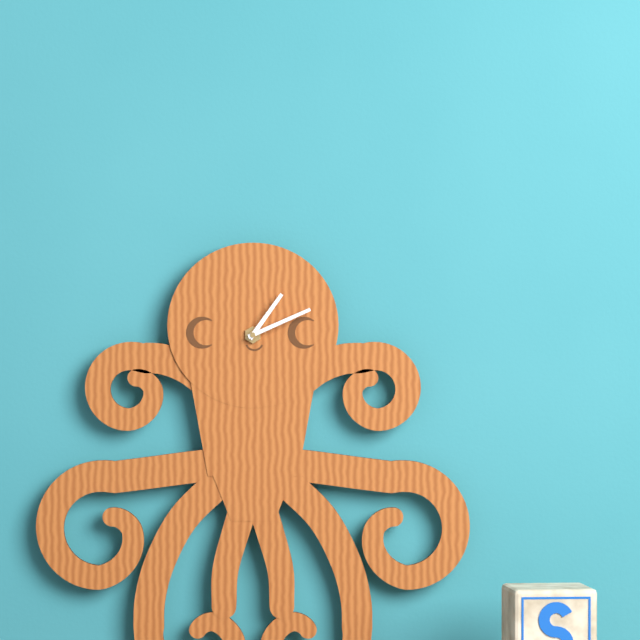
1.11
